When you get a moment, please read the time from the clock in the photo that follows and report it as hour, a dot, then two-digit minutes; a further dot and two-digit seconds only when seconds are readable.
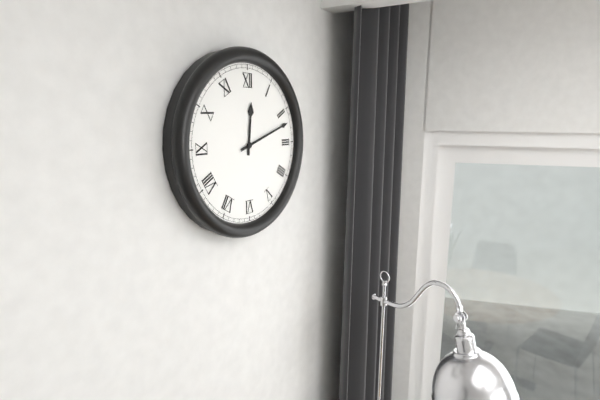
12.12
